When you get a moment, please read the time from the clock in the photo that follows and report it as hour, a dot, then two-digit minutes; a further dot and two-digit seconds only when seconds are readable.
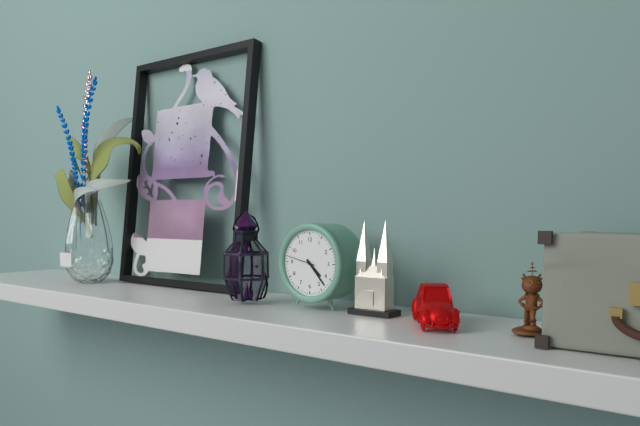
4.23
